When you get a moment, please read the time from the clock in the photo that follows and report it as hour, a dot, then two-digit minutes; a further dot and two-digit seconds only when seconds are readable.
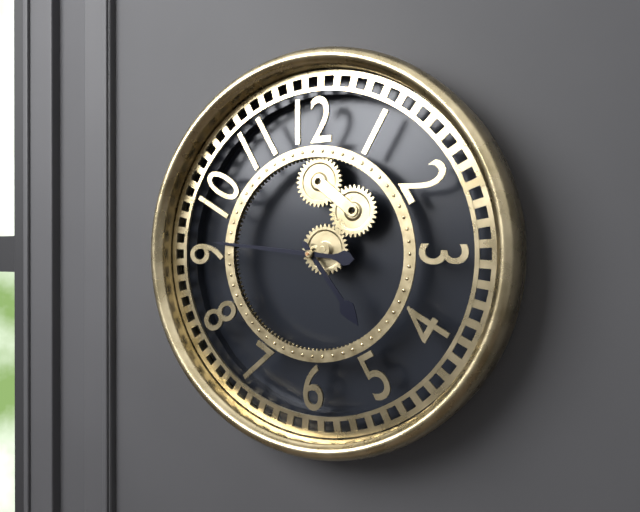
4.46
